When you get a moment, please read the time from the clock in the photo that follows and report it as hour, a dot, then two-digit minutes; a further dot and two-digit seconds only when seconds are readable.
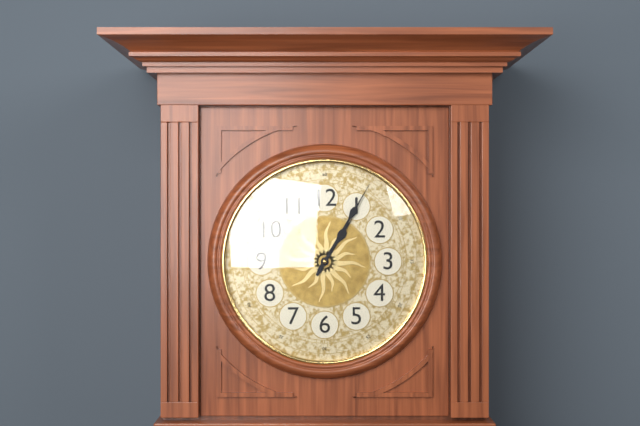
1.05
